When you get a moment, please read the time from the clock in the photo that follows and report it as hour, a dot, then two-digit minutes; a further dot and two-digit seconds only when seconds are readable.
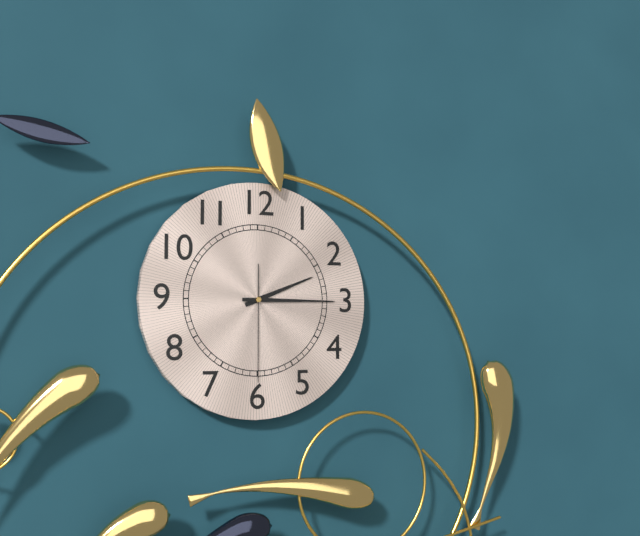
2.15.30
